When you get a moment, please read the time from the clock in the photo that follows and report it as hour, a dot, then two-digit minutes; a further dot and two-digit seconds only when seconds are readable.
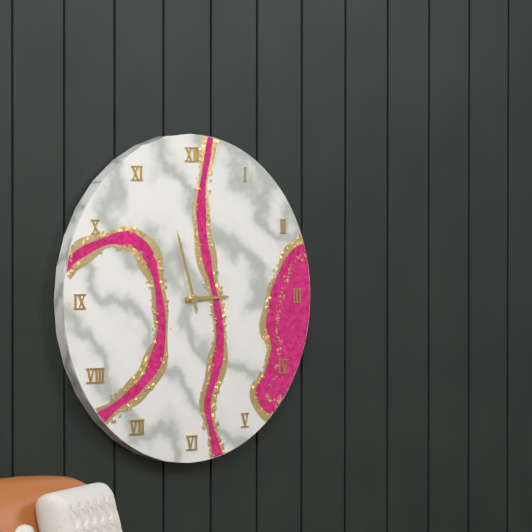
2.57
